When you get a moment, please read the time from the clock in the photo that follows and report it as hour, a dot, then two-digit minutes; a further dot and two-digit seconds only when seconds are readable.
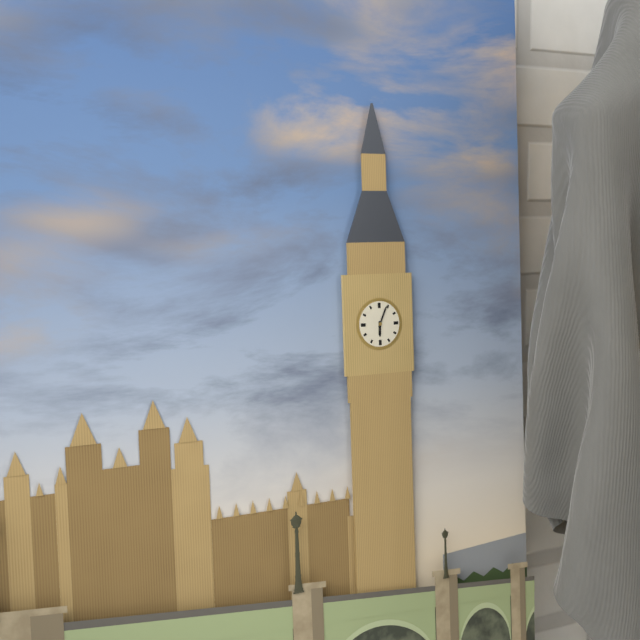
6.04
